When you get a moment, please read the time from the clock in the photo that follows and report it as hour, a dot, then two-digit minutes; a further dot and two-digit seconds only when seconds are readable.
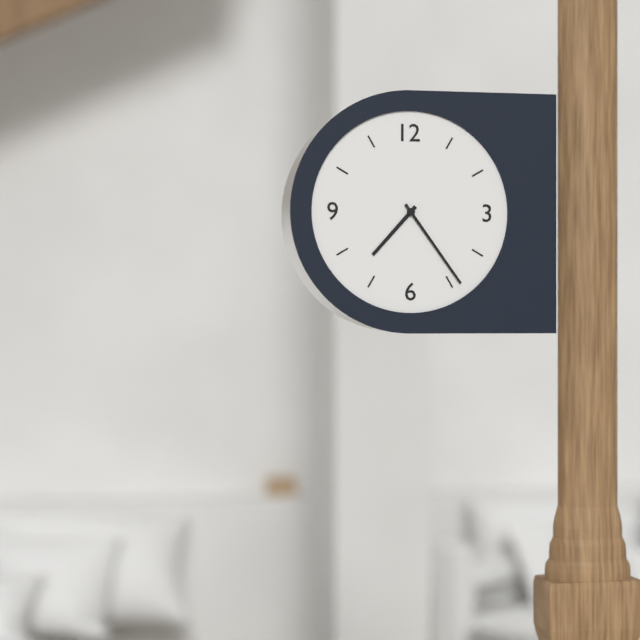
7.24
